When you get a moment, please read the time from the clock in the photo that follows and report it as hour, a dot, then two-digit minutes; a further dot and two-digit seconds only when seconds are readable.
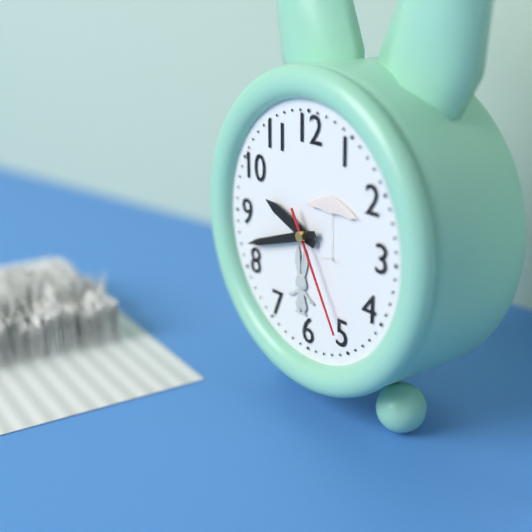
9.42.25
